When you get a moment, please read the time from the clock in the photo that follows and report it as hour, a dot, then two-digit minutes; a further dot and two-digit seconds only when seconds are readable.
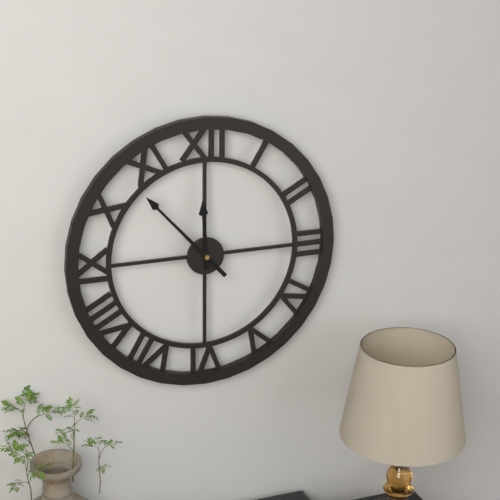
11.53
